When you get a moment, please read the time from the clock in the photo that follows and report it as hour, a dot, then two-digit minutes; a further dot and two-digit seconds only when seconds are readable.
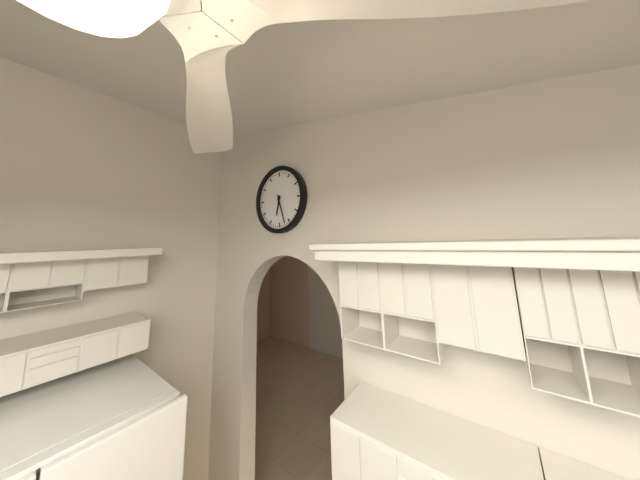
6.27
